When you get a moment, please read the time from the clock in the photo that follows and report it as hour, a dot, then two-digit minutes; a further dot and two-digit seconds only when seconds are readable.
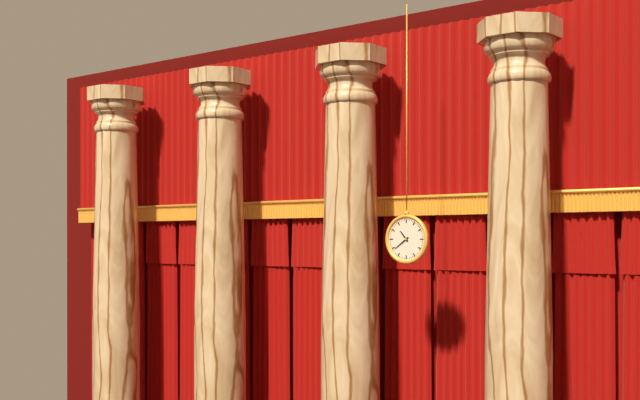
10.39
